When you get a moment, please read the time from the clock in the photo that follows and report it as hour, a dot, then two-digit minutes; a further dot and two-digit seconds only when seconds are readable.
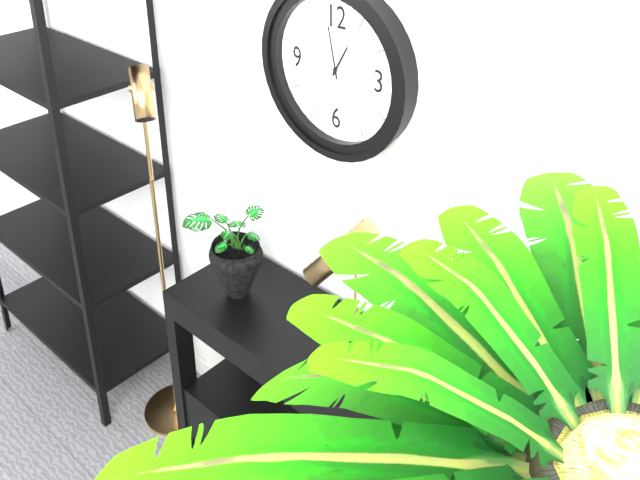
12.58
